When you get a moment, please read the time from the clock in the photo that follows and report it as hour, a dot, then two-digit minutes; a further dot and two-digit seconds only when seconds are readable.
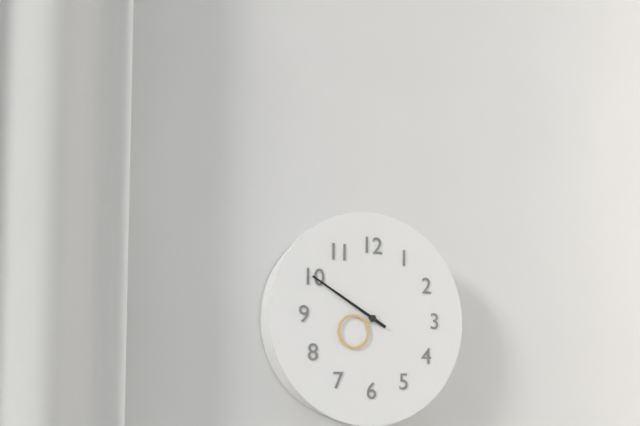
7.50
